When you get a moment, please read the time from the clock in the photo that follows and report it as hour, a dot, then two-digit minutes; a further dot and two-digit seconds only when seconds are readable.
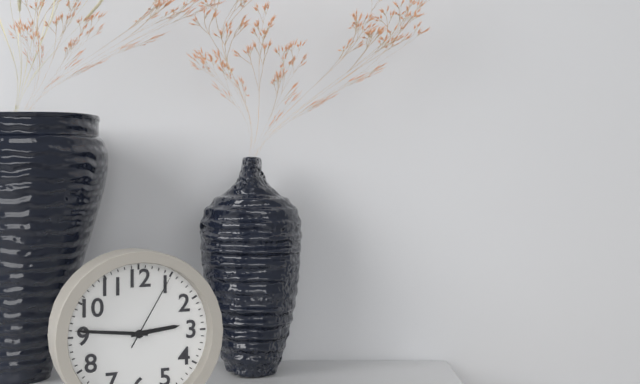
2.46.05
